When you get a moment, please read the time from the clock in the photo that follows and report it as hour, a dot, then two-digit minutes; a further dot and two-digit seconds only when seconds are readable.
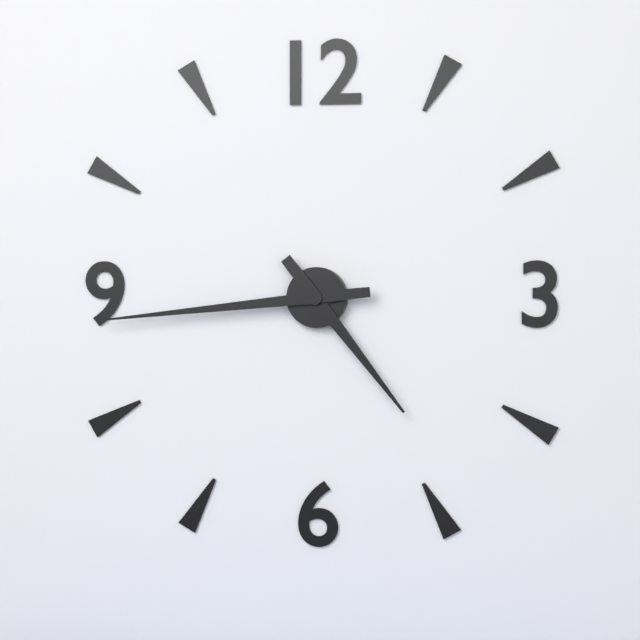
4.44
